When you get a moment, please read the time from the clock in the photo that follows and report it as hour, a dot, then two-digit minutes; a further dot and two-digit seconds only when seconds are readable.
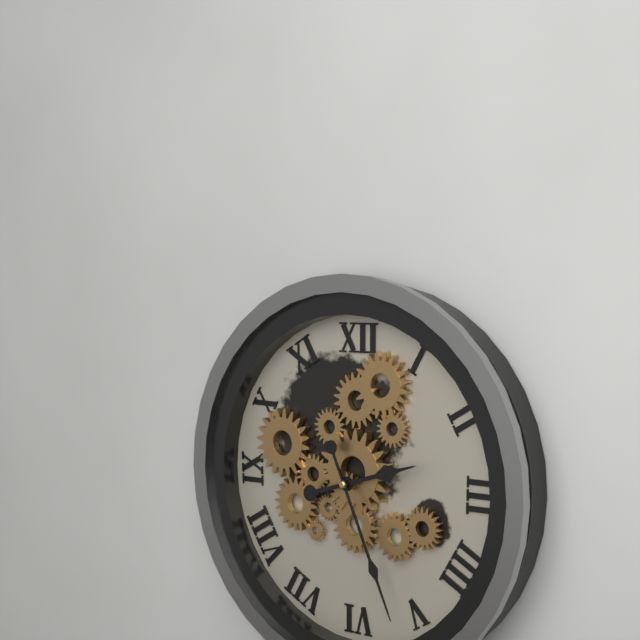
2.26
